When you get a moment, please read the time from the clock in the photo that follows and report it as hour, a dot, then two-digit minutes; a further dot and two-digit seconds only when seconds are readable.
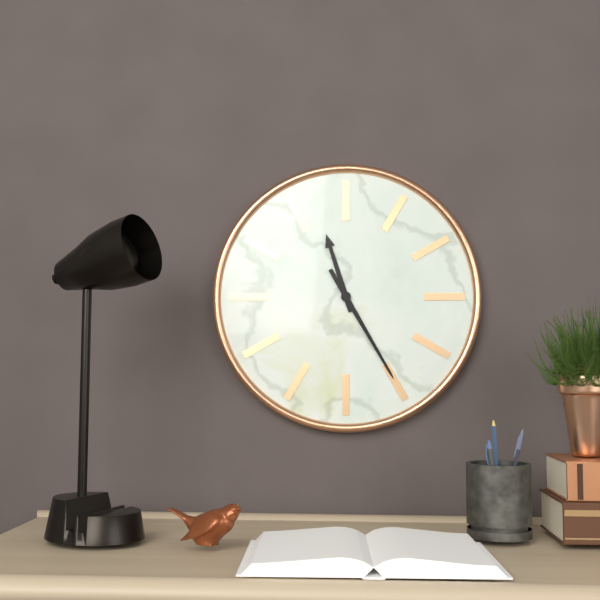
11.25
